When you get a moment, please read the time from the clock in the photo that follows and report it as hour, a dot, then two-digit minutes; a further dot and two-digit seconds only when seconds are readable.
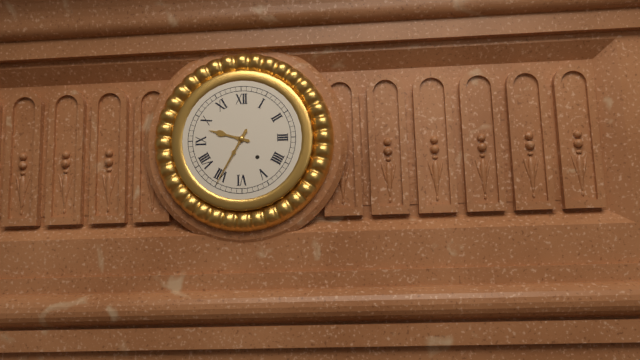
9.35
